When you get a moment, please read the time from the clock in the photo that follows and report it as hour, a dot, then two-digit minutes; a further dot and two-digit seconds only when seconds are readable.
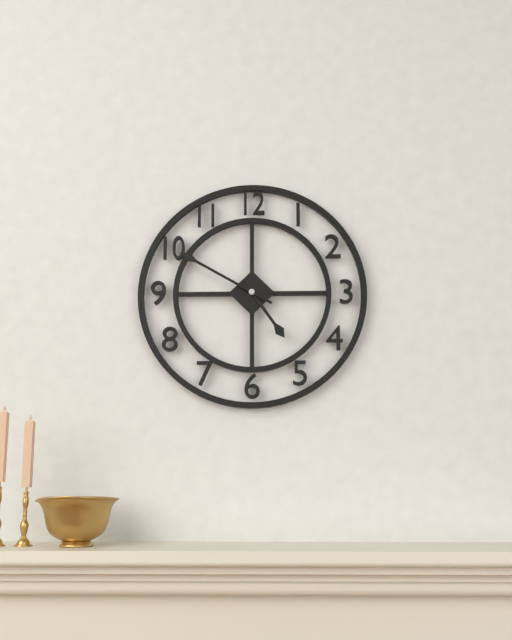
4.50
